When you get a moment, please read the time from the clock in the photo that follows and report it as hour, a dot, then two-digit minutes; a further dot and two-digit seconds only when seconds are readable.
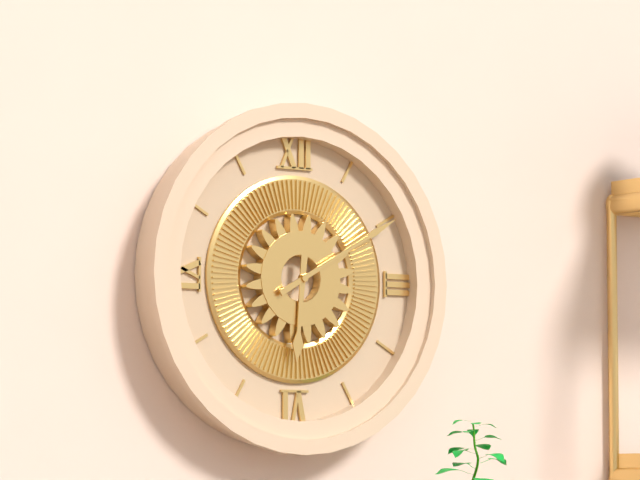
6.10
